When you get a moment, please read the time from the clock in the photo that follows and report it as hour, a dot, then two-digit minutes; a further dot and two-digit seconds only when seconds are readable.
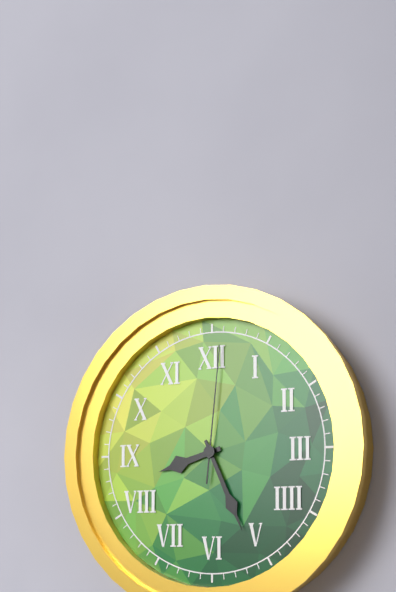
8.26.01
